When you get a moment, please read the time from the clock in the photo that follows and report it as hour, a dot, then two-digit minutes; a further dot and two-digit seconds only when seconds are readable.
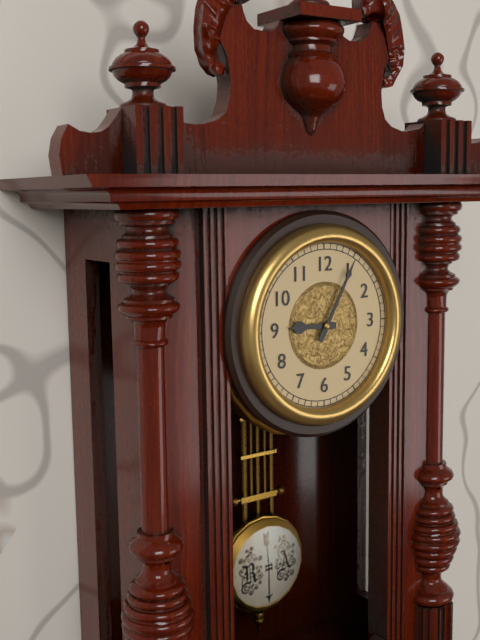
9.05
